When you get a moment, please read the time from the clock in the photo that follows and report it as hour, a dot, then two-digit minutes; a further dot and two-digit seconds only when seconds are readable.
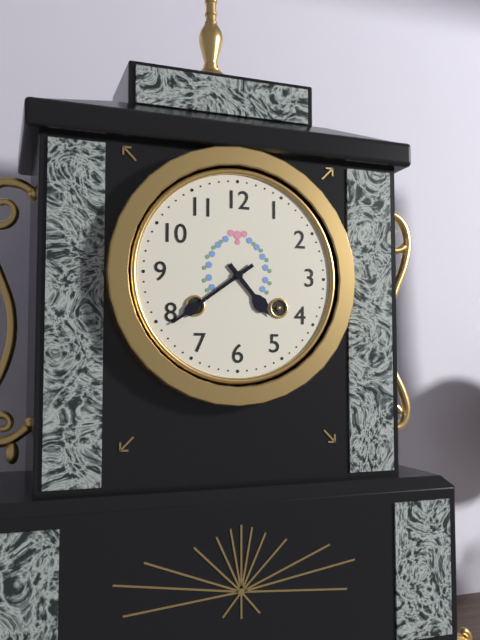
4.39
